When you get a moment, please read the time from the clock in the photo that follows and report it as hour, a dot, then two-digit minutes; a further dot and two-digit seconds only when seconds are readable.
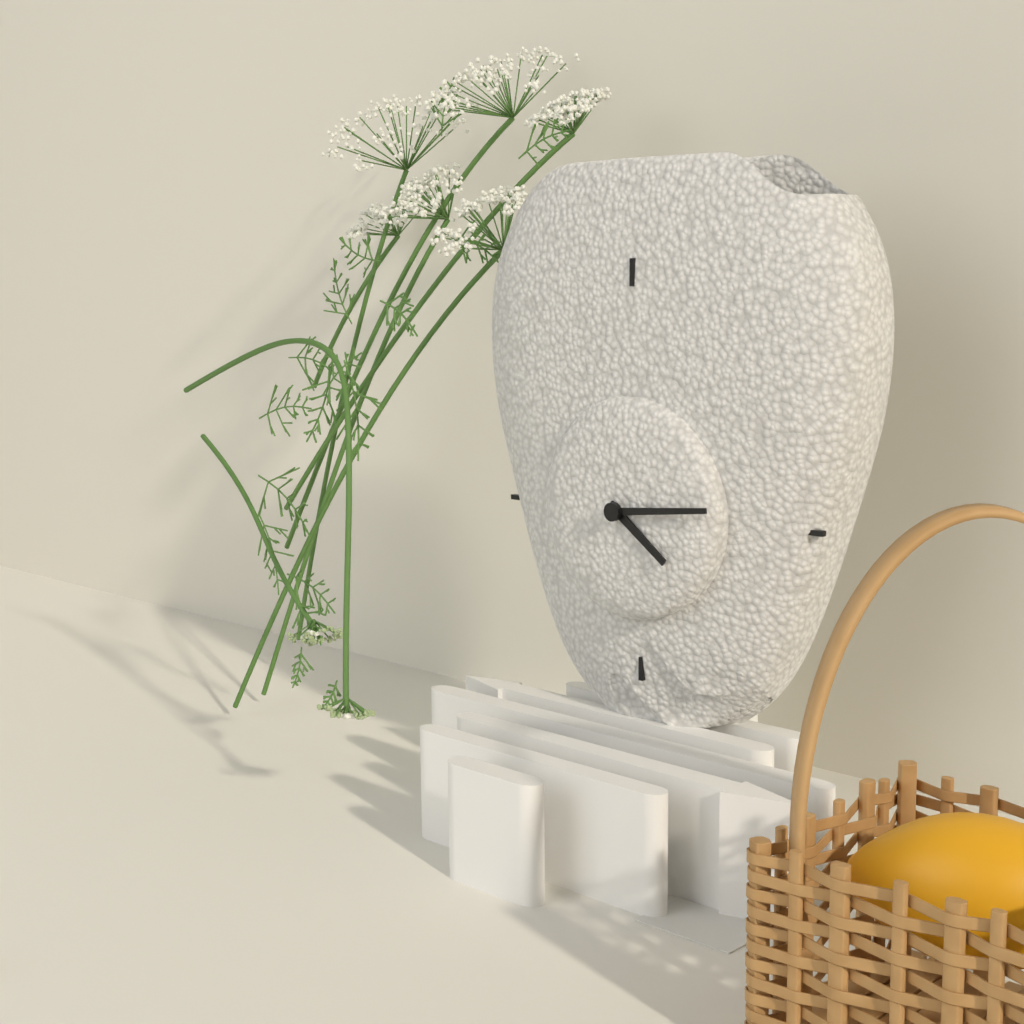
4.14
